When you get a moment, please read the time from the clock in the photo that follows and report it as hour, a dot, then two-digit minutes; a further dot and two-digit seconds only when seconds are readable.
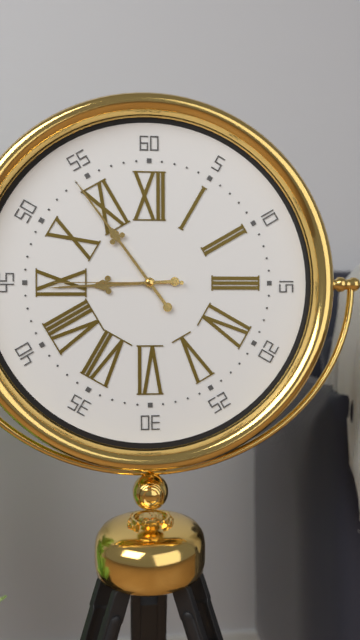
8.54.45
